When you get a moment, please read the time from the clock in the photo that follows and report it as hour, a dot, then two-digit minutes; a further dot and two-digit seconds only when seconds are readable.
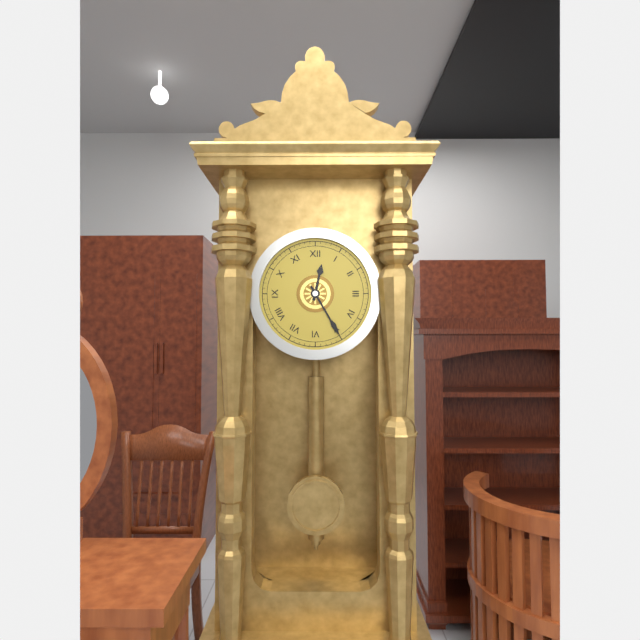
12.25
